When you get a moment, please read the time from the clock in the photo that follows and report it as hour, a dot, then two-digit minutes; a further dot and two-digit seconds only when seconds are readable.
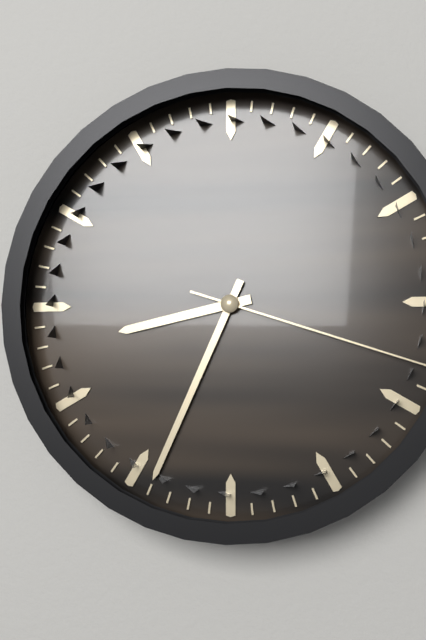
8.34
